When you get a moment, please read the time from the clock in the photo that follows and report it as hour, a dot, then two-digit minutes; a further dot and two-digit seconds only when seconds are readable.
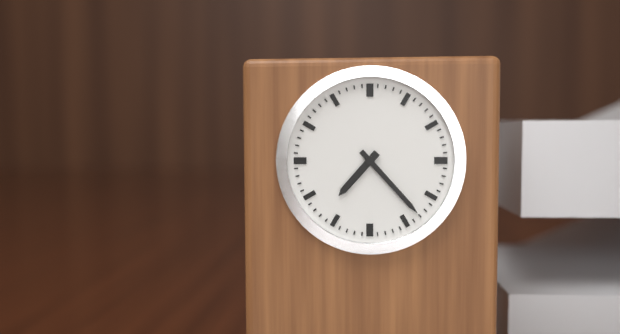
7.23
